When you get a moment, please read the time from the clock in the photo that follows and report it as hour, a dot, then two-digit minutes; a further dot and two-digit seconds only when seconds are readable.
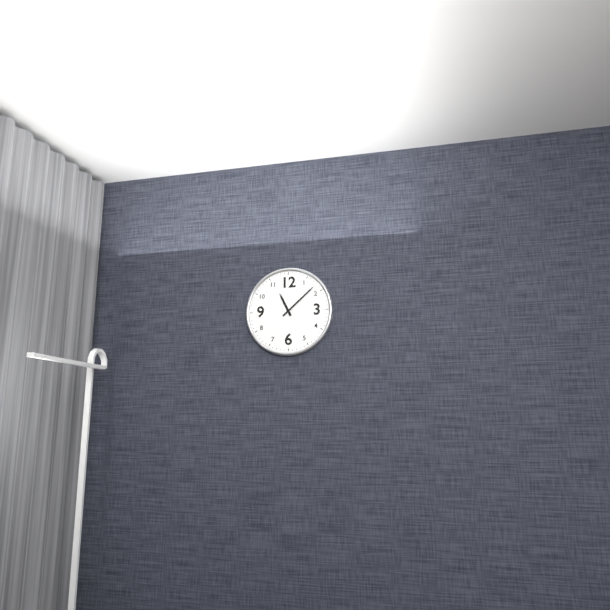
11.08
